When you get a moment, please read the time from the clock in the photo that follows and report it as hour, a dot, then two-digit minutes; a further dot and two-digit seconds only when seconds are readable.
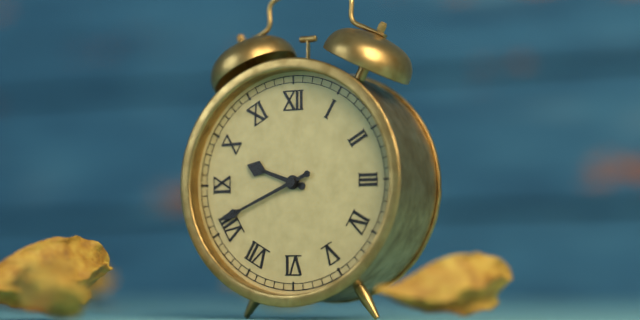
9.41
